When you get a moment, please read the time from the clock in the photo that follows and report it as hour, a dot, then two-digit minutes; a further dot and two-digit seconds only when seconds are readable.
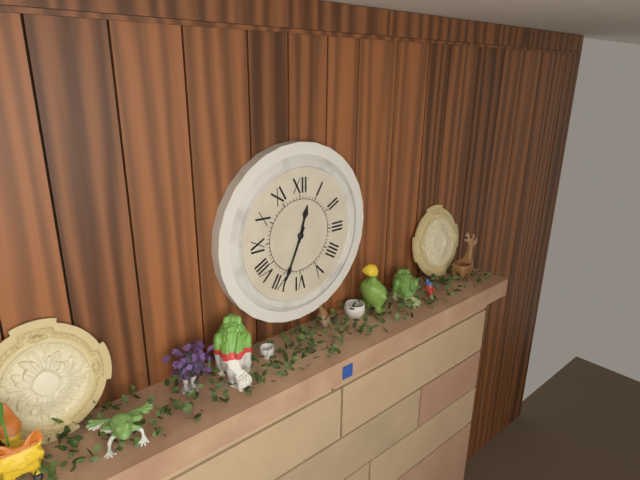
12.34
